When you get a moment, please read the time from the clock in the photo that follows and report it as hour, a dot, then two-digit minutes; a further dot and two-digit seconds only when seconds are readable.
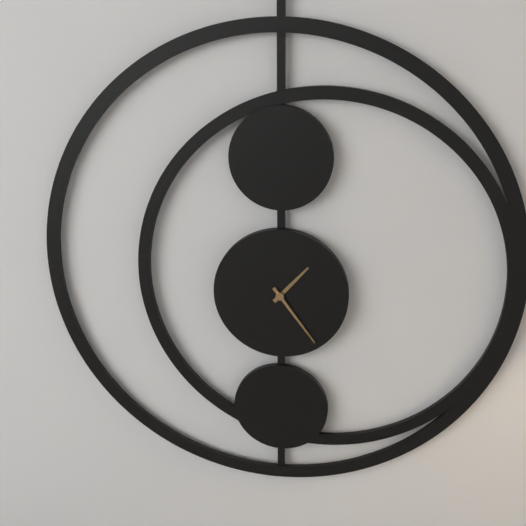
1.24
